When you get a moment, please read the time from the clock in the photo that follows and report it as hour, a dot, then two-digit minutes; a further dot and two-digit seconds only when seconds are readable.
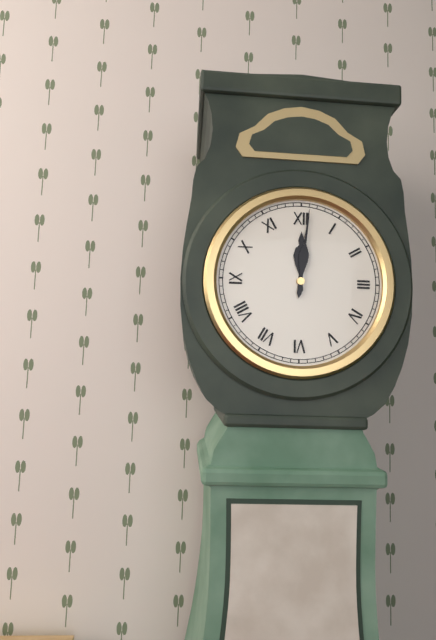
12.01
